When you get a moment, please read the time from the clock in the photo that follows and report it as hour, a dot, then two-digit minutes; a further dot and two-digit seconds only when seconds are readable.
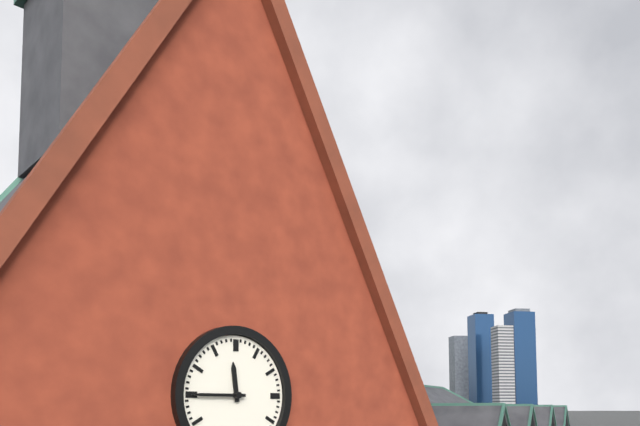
11.45
